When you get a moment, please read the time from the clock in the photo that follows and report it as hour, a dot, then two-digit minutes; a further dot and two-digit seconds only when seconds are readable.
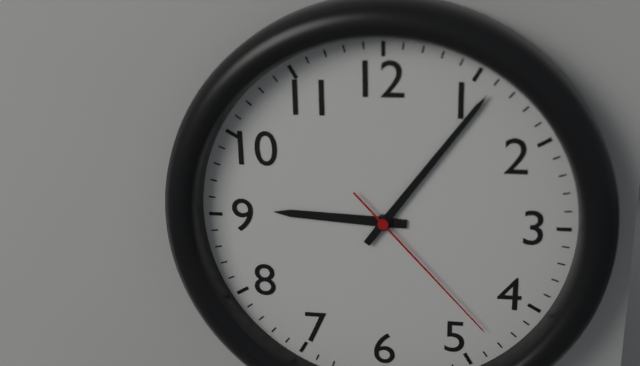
9.06.23
